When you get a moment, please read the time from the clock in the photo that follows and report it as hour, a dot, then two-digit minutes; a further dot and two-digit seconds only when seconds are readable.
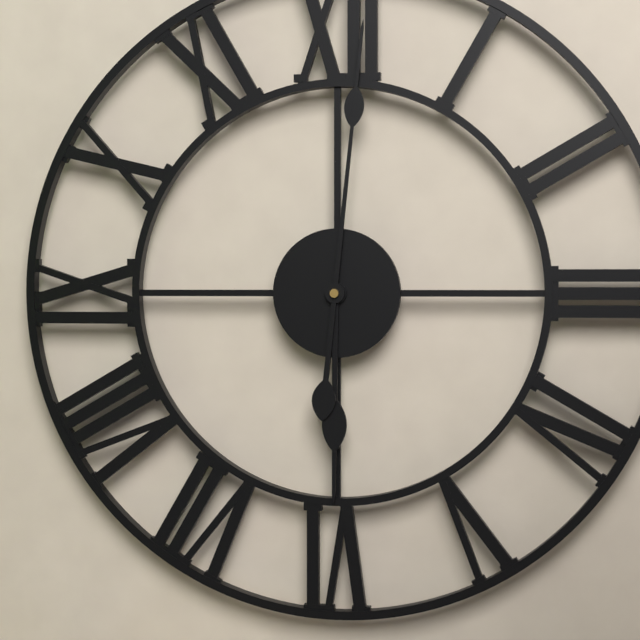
6.01
